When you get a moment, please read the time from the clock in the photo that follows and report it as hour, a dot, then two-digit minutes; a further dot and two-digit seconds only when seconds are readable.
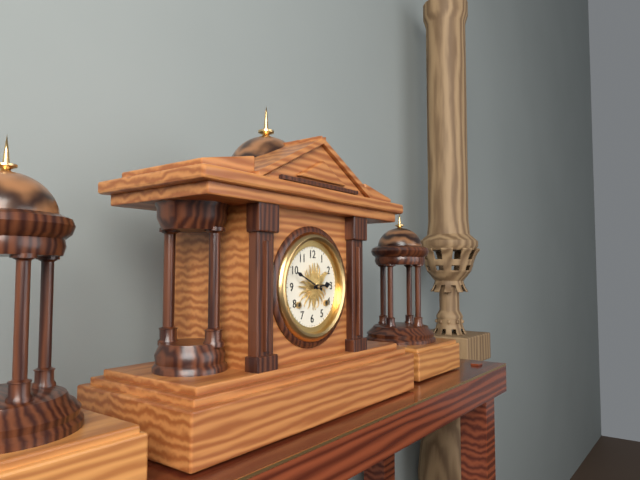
2.49
